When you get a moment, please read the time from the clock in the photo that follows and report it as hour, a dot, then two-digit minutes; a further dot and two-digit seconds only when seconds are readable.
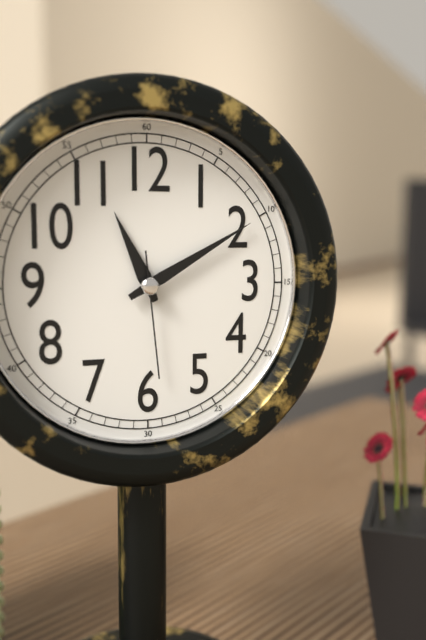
11.10.29
